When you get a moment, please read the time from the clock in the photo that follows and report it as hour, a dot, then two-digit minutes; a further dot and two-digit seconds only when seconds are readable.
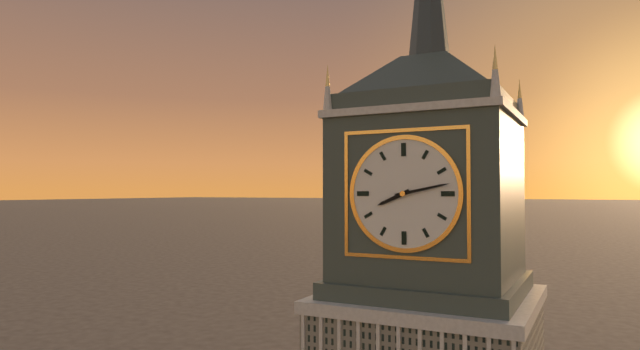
8.13
